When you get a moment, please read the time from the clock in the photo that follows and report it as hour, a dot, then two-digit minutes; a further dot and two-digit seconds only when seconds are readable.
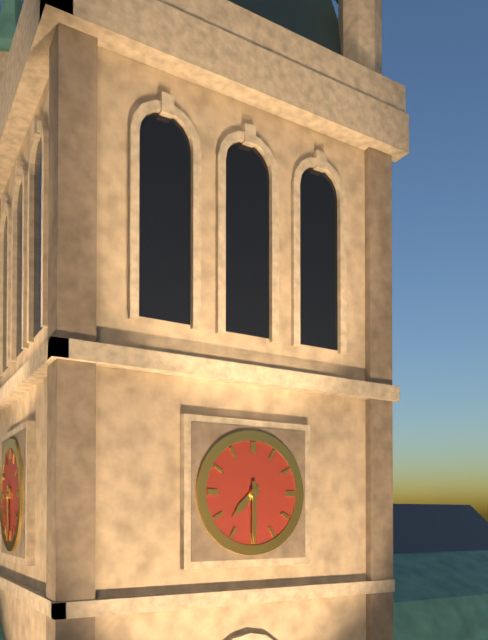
7.30
